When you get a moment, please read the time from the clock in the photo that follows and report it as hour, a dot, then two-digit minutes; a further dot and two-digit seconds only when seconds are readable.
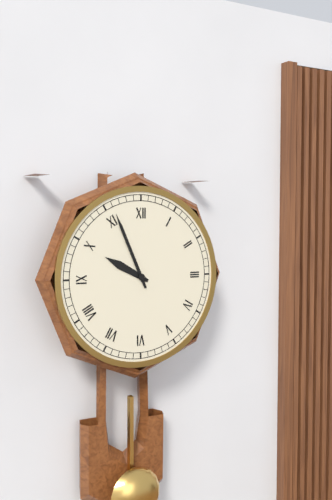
9.56
